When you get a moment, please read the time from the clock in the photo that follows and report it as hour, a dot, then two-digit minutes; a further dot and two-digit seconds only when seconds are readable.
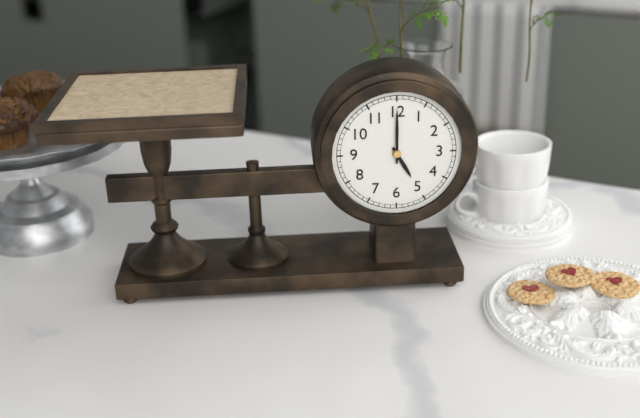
5.00
